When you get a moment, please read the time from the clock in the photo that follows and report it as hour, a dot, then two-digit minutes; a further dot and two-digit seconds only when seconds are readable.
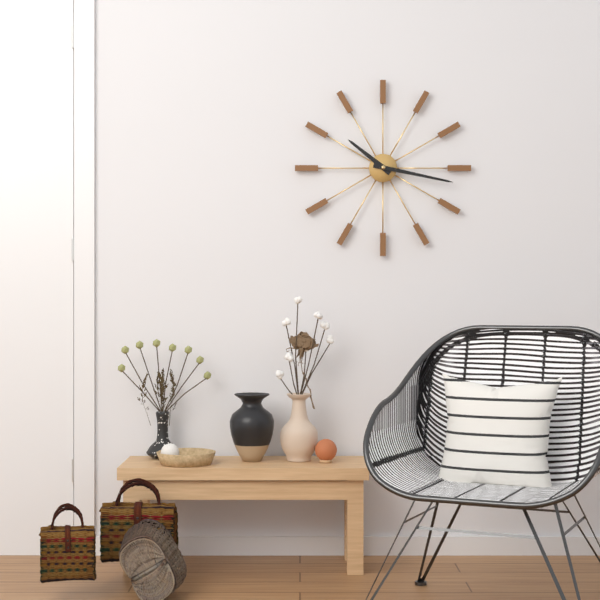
10.17
